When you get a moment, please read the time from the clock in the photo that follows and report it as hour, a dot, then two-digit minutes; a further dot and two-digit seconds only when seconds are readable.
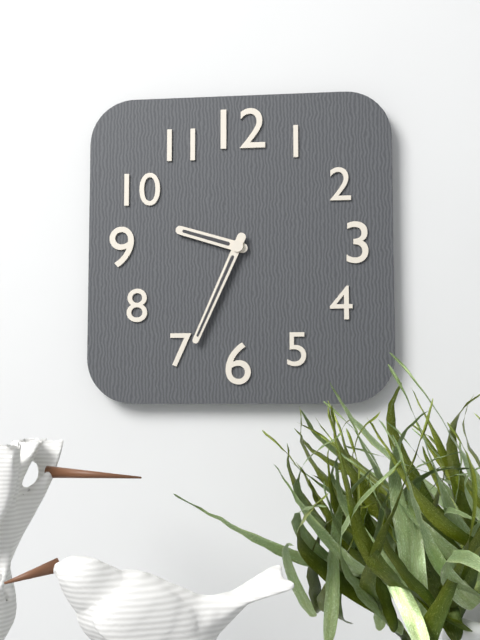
9.34
